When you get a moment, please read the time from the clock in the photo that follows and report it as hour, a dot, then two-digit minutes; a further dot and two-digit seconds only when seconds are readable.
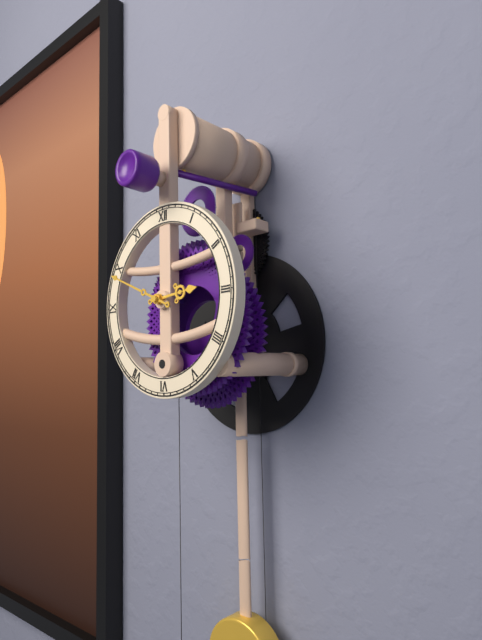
2.49
